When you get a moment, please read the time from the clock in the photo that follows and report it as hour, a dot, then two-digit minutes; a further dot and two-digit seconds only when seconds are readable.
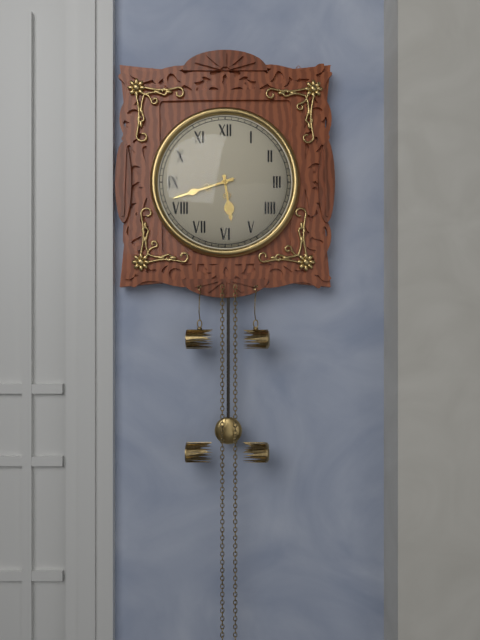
5.42
